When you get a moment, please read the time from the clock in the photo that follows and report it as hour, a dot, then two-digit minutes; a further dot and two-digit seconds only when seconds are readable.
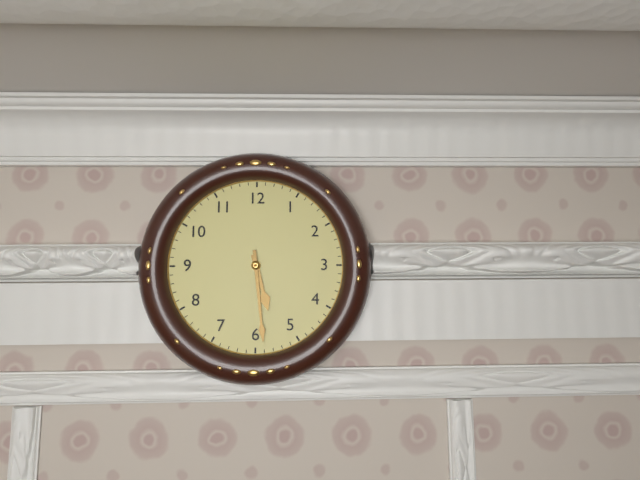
5.29
